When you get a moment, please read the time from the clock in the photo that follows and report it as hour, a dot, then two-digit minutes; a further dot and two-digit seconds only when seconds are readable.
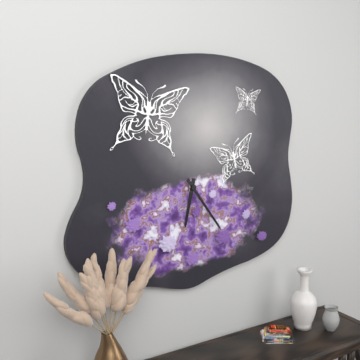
6.24
